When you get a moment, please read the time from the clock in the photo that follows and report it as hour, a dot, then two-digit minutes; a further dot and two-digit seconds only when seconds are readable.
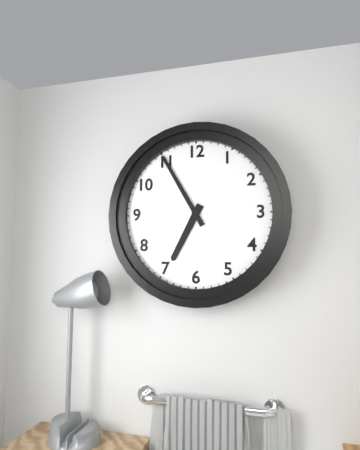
6.55
